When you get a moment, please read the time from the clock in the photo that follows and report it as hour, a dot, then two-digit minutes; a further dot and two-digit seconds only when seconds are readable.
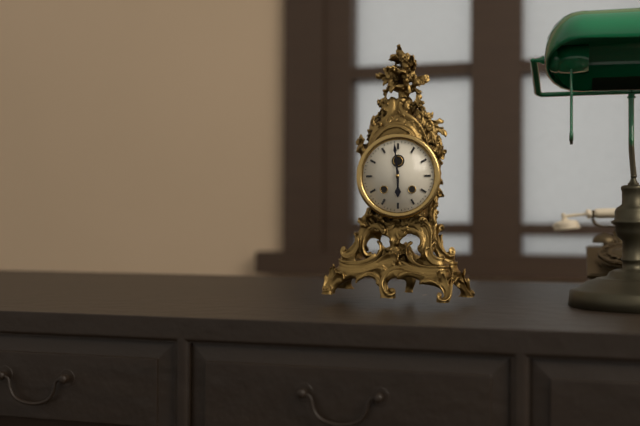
5.59
